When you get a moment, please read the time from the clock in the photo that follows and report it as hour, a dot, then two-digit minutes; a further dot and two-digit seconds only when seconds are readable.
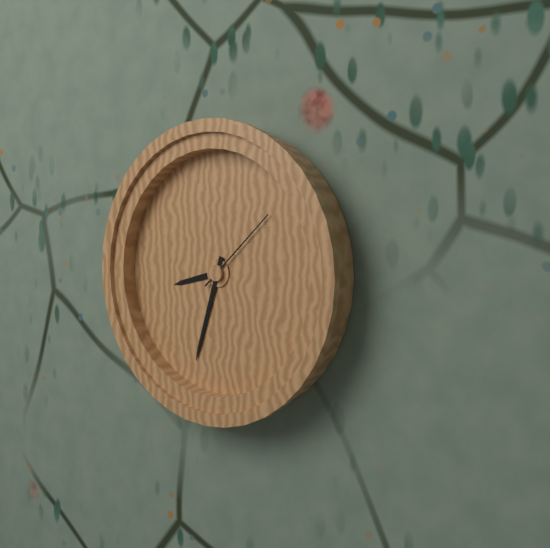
8.33.08
